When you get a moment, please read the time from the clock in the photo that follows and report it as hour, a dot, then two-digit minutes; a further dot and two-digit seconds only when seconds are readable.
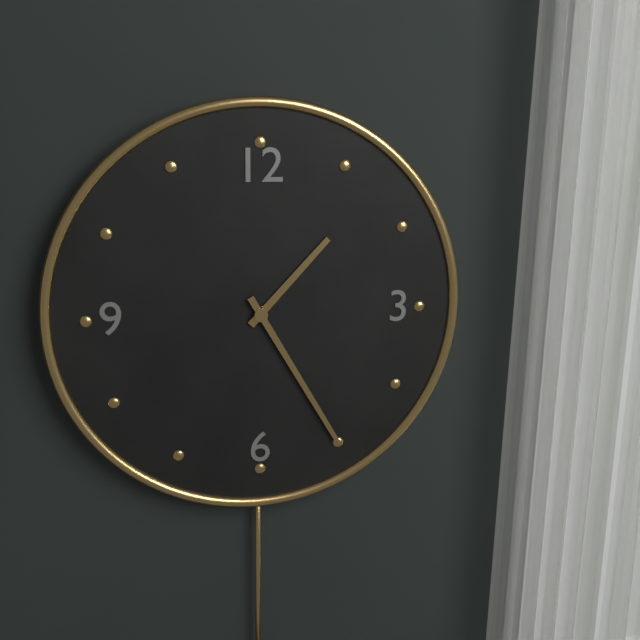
1.25
